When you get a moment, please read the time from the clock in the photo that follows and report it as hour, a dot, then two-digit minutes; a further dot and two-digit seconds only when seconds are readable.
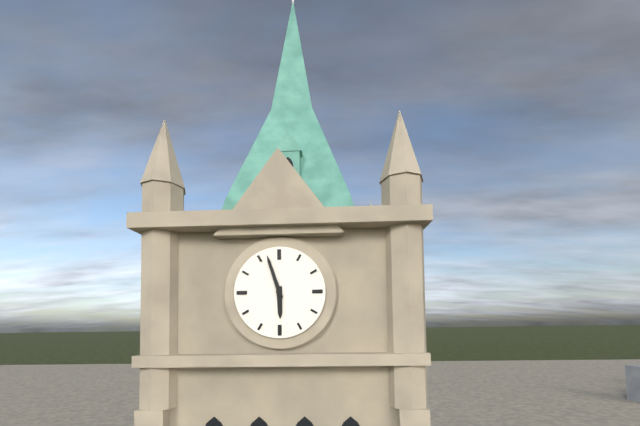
5.57
